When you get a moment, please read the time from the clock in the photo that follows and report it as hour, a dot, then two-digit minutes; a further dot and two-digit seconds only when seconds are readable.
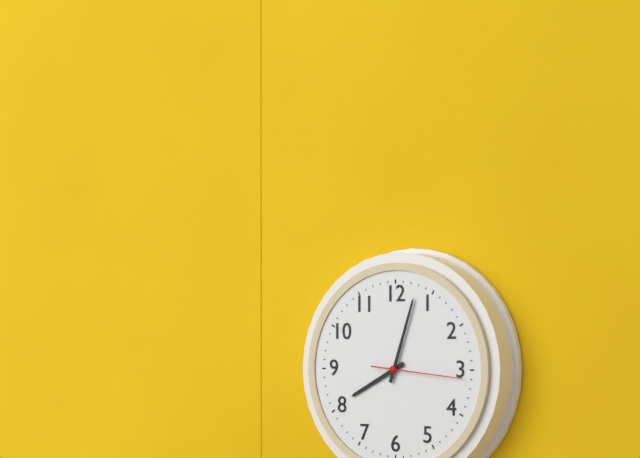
8.03.16
